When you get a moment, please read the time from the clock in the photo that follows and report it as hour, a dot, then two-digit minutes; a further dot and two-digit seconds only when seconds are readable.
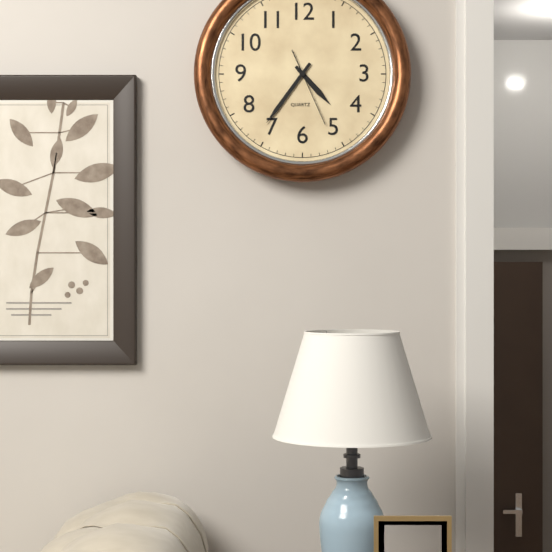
4.36.26
